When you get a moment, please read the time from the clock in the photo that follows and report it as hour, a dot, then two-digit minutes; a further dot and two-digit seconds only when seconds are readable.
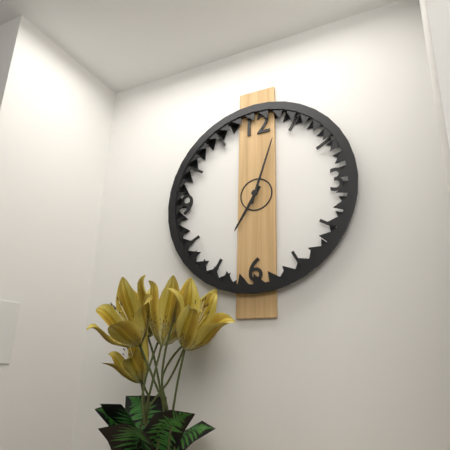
7.03
